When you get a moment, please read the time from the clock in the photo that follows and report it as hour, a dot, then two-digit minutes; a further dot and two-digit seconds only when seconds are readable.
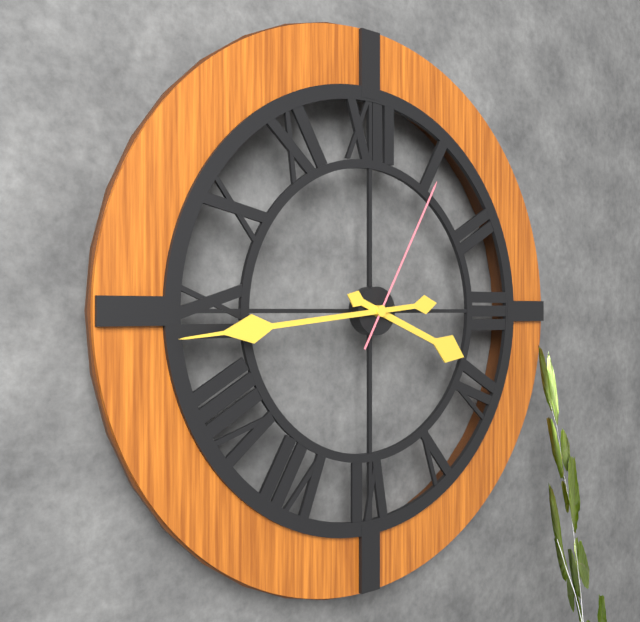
3.44.05
